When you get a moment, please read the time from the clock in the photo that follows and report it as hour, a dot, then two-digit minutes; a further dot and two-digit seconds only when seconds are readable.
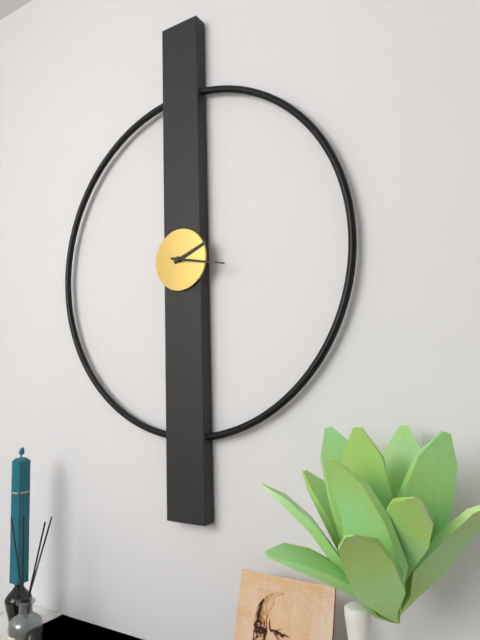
2.17
